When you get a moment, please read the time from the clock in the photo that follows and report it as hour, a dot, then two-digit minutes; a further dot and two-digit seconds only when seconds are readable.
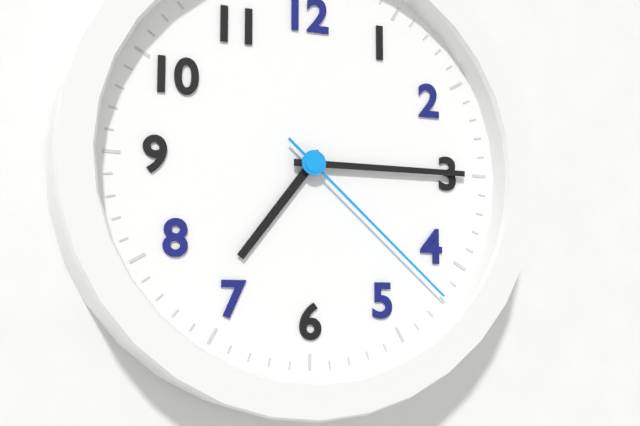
7.15.22
